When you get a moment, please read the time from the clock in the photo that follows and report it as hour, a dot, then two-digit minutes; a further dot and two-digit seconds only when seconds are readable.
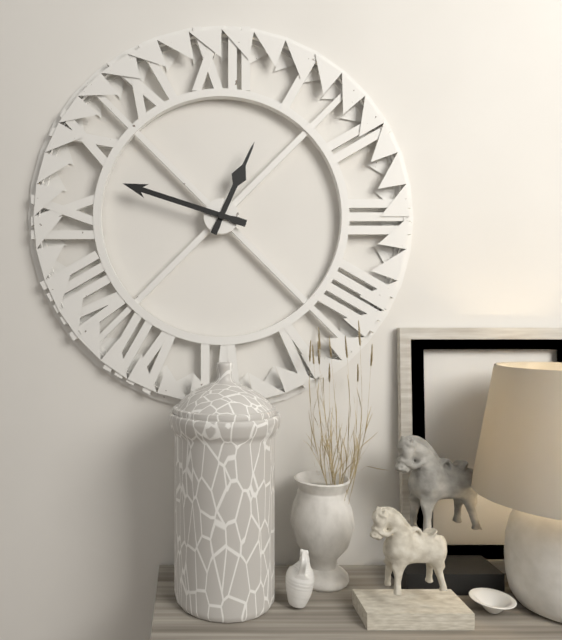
12.48
